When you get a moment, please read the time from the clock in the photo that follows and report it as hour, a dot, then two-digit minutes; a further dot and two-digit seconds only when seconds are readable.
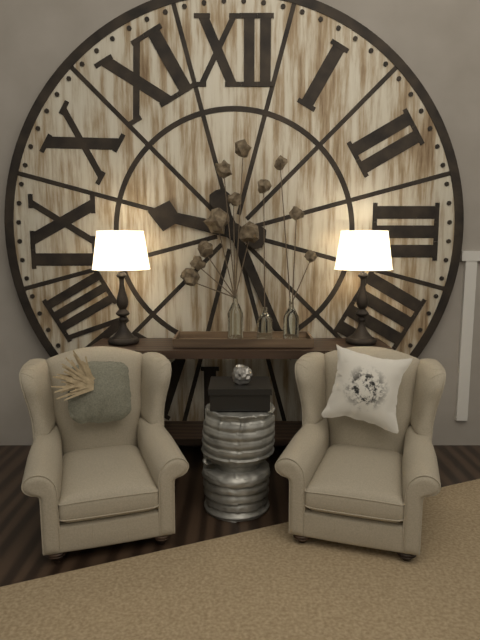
9.26
